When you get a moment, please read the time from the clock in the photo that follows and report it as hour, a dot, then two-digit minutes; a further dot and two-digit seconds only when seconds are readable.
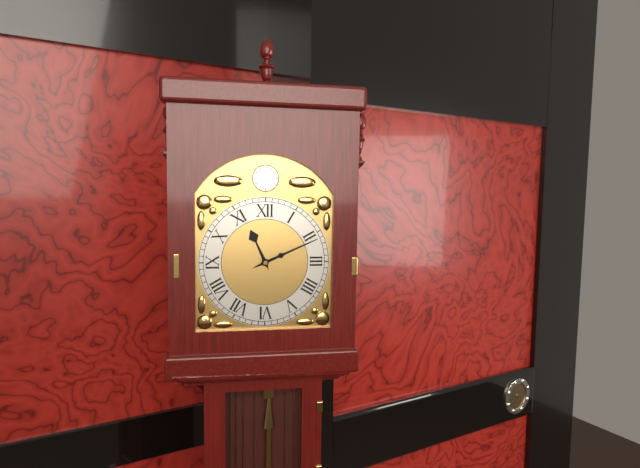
11.11
